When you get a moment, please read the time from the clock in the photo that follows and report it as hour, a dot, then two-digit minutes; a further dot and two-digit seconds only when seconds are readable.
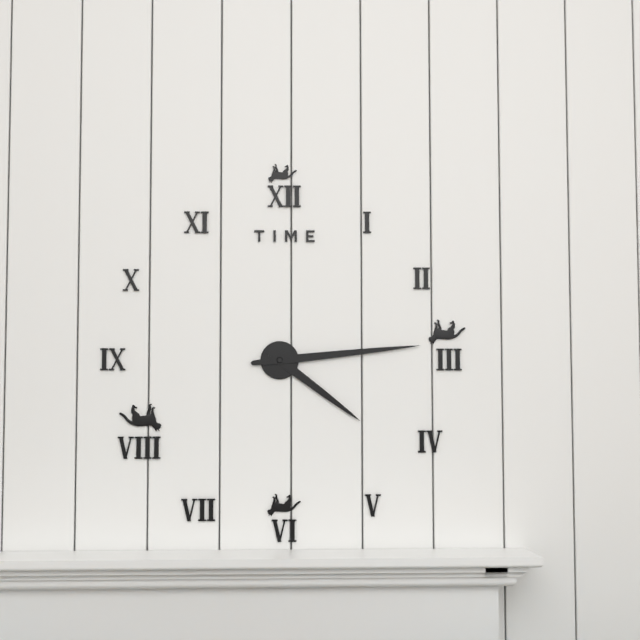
4.14
